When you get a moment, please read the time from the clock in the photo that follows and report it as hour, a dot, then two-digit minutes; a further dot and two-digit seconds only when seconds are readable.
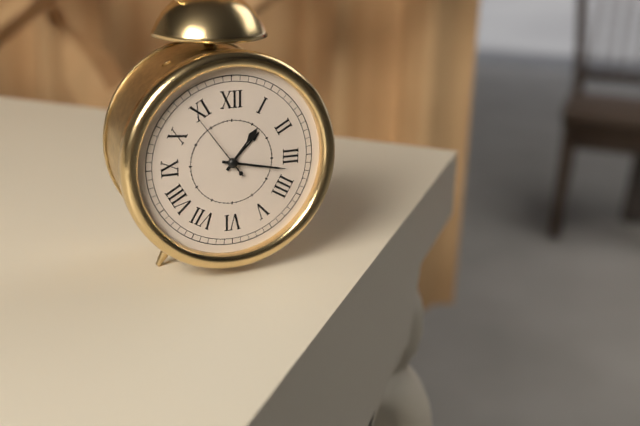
1.17.54
